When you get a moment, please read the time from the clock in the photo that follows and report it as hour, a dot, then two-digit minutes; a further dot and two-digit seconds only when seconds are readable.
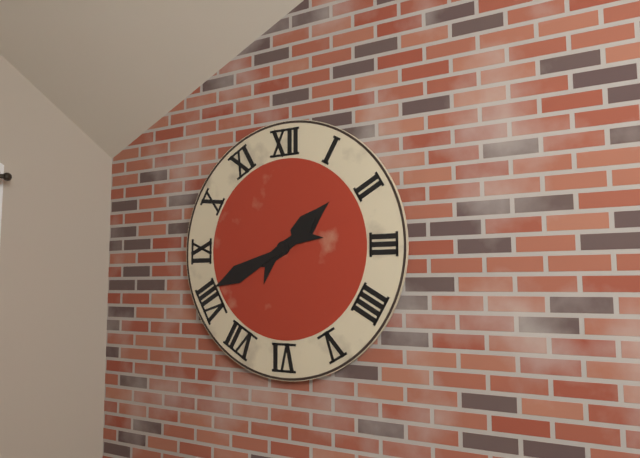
1.41
